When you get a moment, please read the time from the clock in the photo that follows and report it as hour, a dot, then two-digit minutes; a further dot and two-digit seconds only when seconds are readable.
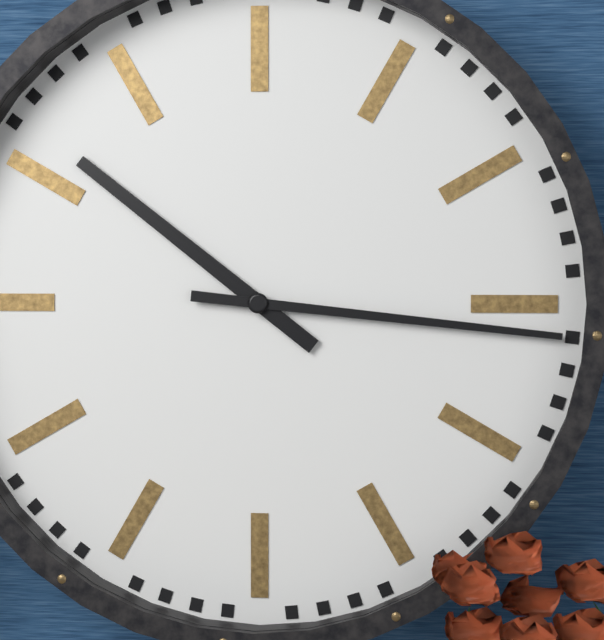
10.16
